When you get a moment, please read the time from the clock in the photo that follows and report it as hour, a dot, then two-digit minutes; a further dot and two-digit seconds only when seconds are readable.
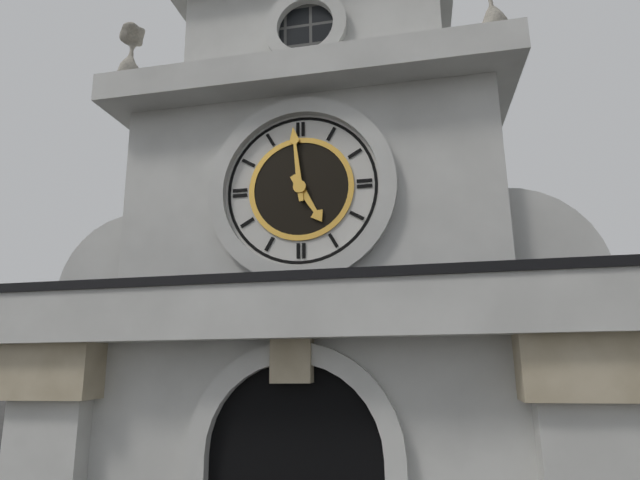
4.59
